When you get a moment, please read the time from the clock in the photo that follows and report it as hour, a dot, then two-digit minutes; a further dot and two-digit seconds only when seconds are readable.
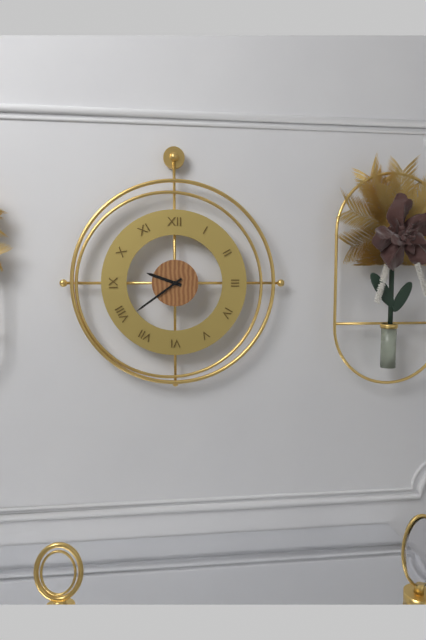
9.39
